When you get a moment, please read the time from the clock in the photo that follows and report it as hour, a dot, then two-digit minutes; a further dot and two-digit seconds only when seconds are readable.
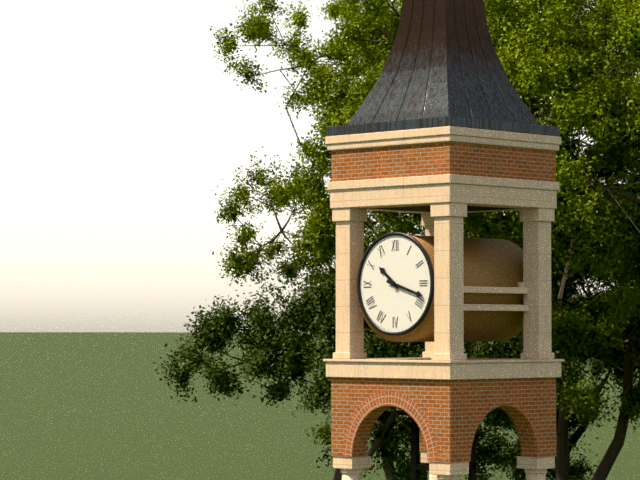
10.18
